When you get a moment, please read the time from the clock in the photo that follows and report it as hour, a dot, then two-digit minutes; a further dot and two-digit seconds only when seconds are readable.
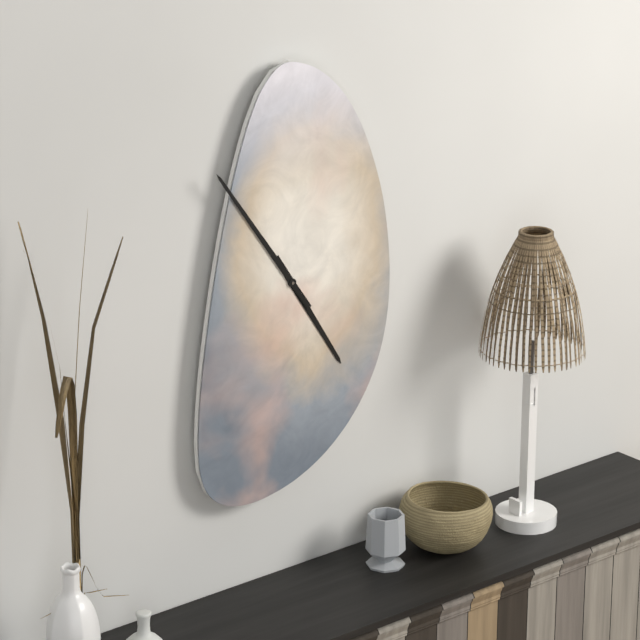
4.54
